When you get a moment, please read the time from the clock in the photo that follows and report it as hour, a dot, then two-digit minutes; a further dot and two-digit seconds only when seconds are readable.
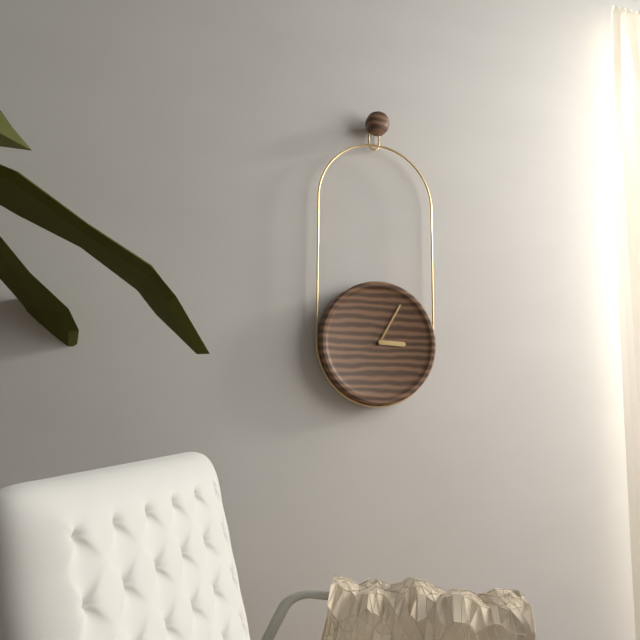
3.05
